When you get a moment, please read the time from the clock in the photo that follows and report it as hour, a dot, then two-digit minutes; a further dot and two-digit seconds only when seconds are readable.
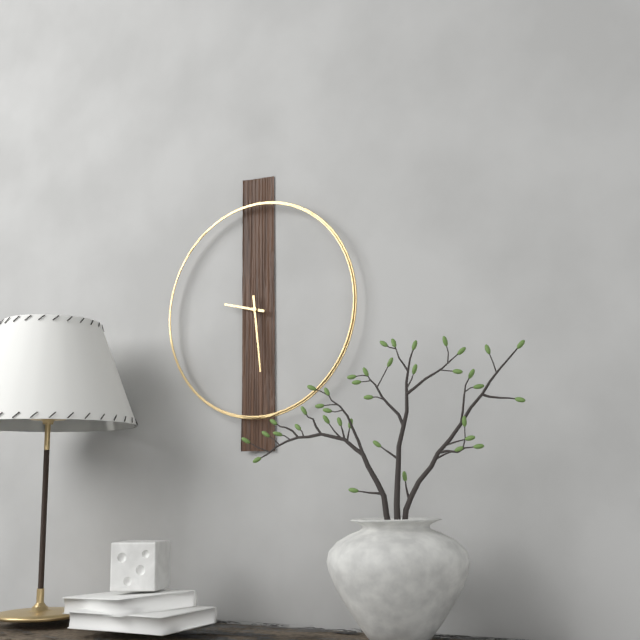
9.29
